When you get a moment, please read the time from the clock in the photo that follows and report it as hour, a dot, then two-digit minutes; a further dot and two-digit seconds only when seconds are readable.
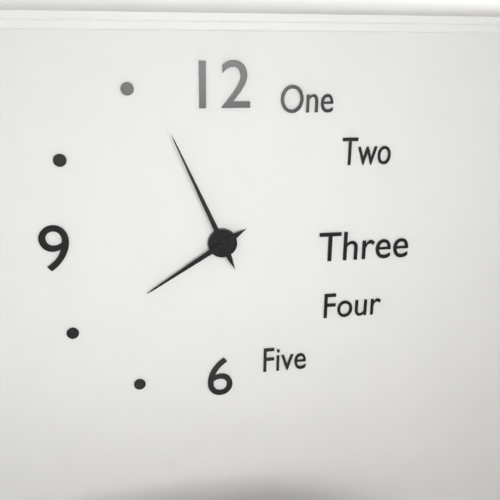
7.56
